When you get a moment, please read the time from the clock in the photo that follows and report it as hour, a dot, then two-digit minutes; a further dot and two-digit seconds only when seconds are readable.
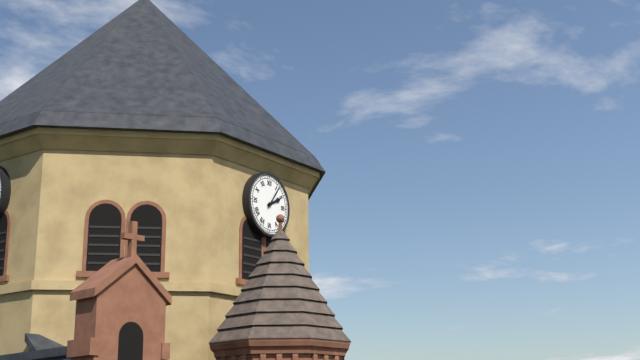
2.06
